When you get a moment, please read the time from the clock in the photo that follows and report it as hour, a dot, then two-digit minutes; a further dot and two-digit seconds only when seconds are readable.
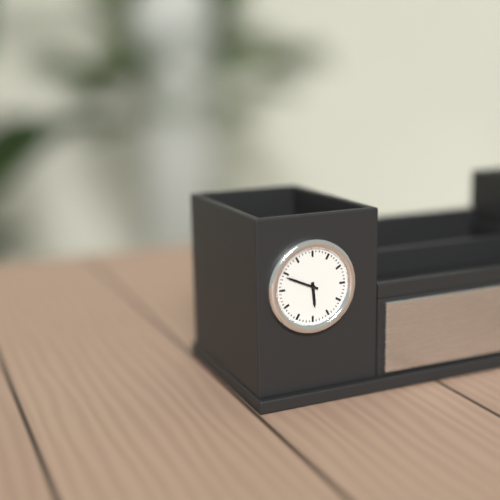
5.49
